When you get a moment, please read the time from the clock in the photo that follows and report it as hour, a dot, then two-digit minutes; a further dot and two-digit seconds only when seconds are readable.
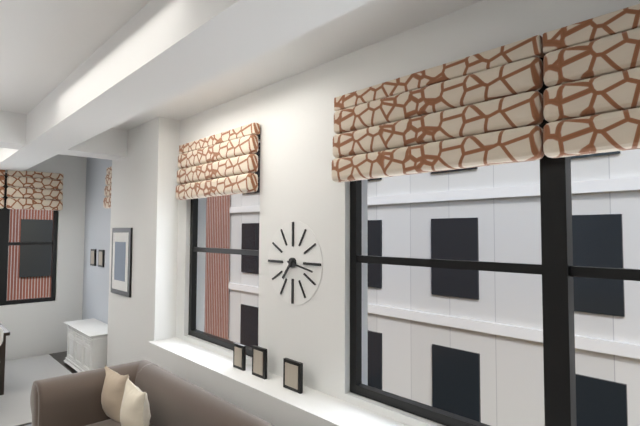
7.17
